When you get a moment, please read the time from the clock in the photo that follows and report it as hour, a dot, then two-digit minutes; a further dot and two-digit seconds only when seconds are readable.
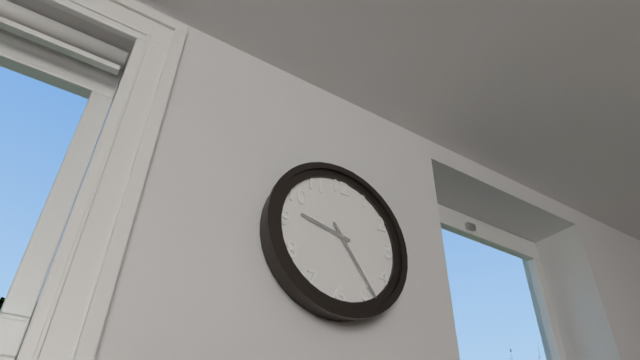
9.24
